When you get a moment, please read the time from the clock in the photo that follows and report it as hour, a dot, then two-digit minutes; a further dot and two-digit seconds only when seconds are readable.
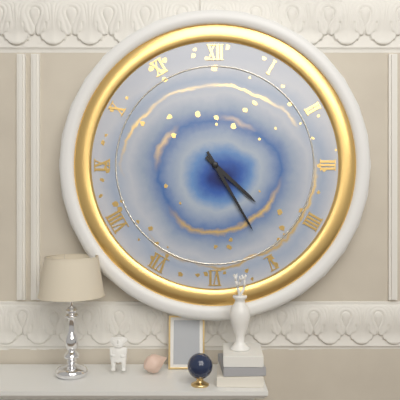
4.25
